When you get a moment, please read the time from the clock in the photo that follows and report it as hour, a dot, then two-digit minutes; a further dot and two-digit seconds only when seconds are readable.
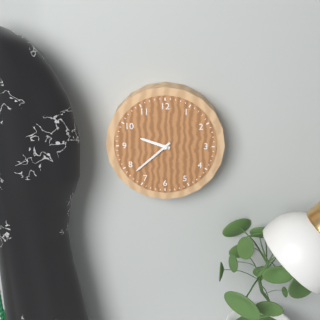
9.38
